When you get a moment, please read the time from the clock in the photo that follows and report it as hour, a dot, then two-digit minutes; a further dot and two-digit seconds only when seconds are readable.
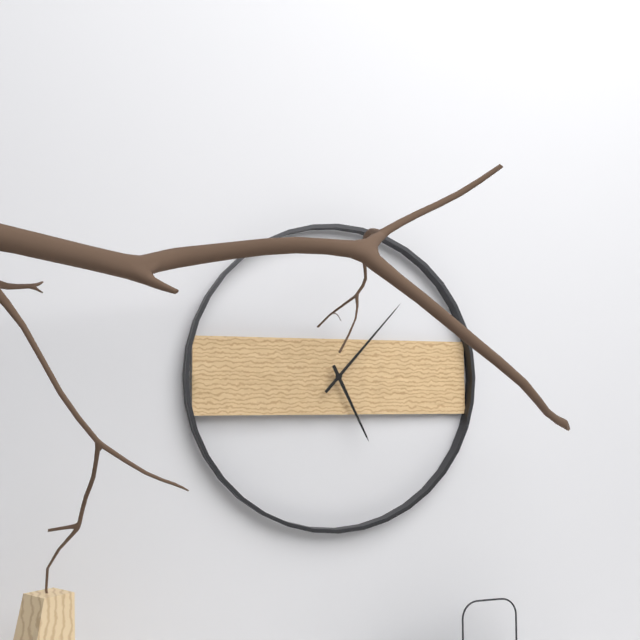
5.07
